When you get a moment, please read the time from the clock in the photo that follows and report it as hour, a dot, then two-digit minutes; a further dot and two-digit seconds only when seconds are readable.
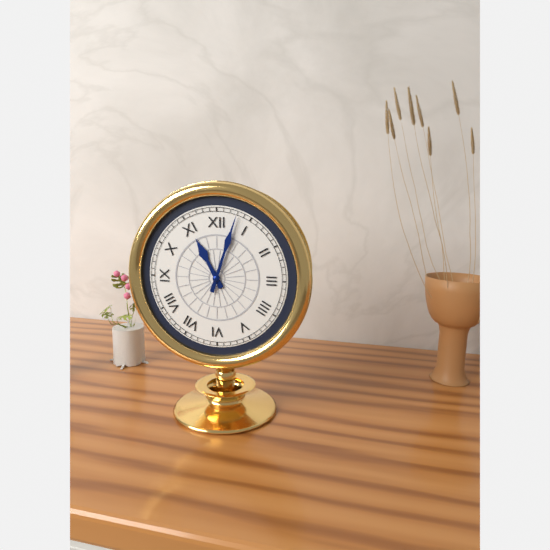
11.03
